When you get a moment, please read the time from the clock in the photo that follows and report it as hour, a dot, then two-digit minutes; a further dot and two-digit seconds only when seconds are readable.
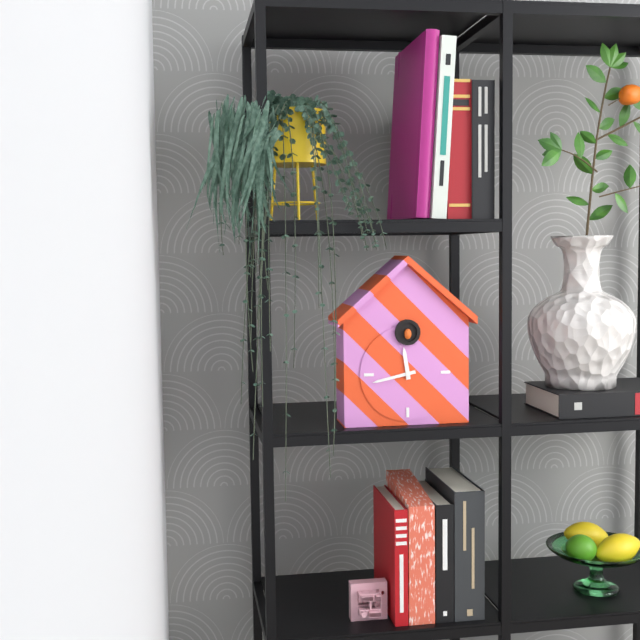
11.43
